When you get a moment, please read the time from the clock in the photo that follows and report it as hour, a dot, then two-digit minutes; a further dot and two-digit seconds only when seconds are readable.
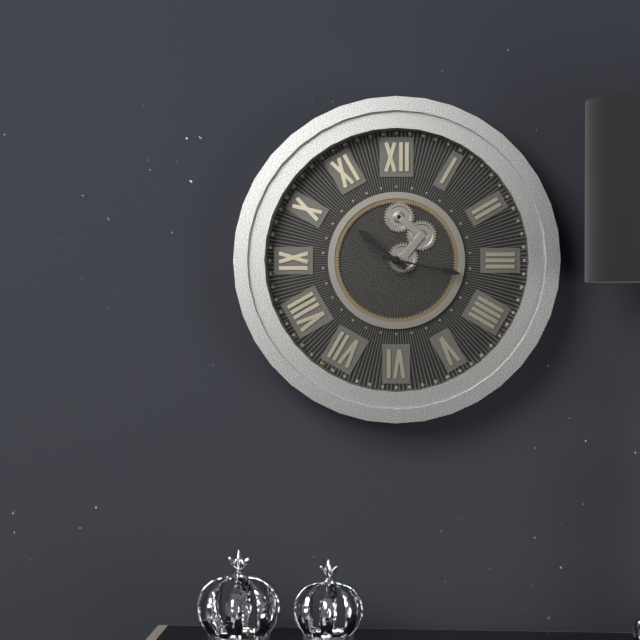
10.17
